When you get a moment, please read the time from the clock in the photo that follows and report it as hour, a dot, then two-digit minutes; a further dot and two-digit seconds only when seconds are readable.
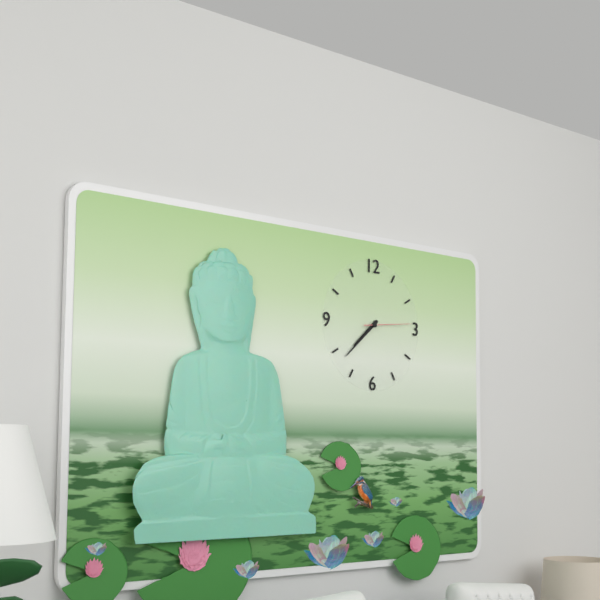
7.38
